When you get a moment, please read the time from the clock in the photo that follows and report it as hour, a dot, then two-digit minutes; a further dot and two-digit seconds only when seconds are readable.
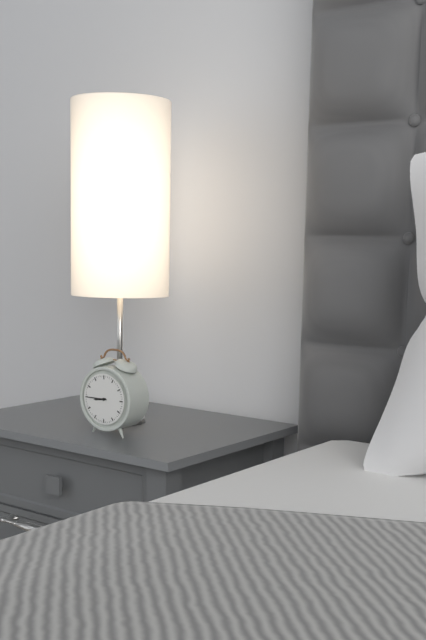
8.45
